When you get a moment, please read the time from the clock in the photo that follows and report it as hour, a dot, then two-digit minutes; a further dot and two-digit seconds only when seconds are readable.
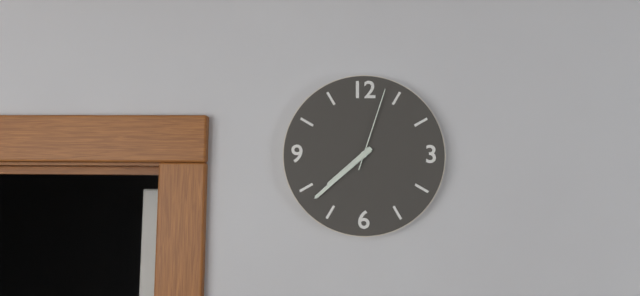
7.38.03
